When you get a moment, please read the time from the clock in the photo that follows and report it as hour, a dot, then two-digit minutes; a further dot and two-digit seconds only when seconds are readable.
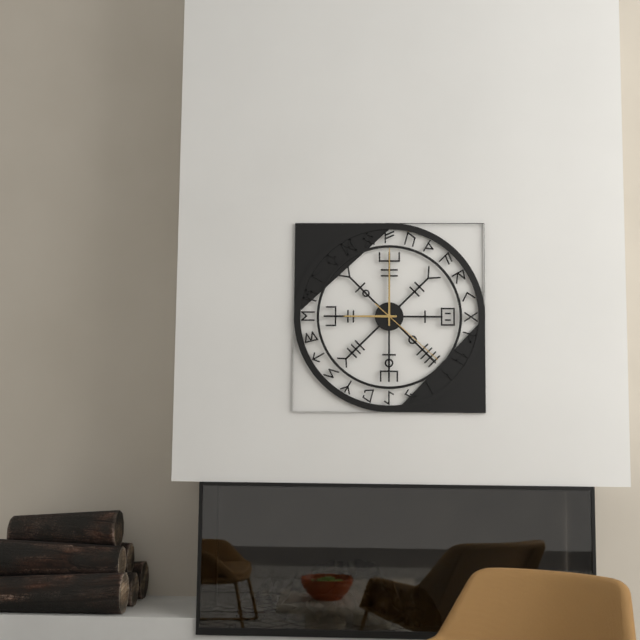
9.00.22
